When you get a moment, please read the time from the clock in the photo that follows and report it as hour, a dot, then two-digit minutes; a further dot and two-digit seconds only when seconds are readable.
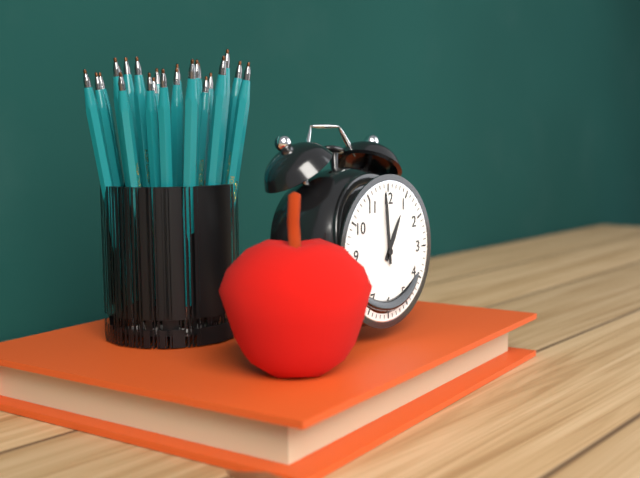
12.59
